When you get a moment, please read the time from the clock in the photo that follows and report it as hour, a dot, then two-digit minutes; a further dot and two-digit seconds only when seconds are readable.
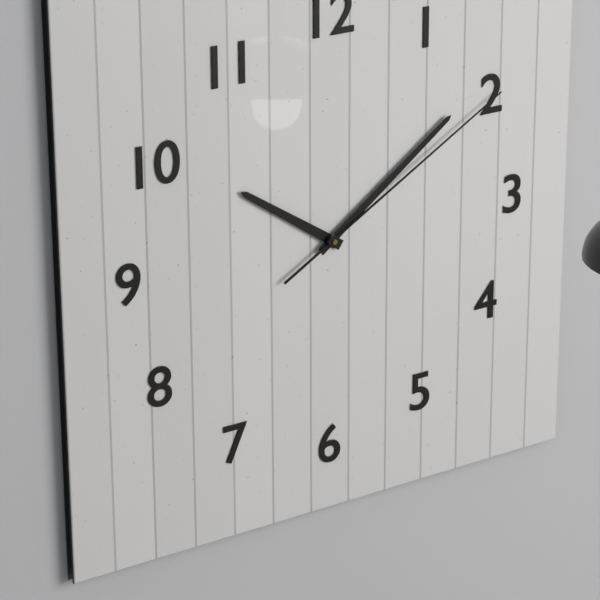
10.09.10
